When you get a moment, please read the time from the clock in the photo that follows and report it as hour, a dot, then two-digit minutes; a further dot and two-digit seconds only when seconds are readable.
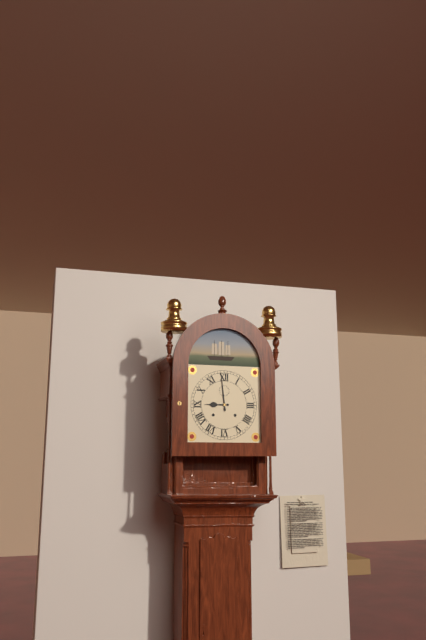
8.59
